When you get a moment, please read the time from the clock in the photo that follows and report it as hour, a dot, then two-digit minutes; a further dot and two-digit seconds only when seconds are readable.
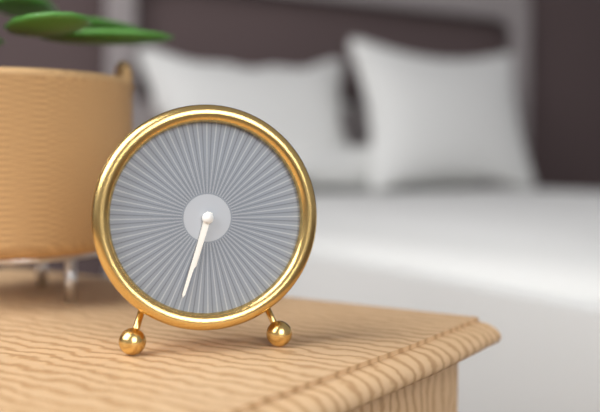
6.33
